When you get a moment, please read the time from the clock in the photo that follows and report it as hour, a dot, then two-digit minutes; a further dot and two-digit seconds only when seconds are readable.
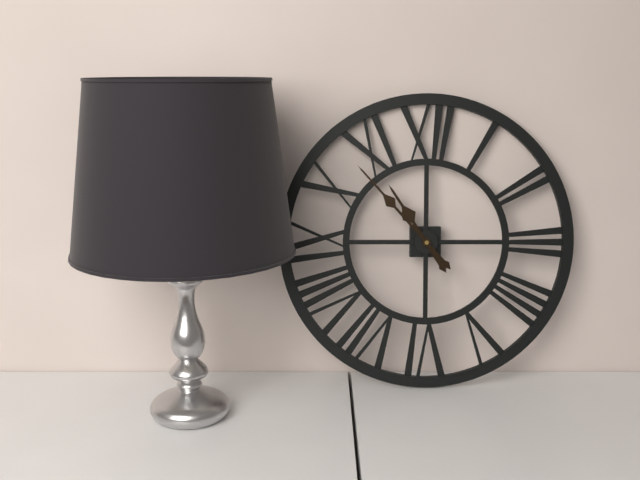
10.53
